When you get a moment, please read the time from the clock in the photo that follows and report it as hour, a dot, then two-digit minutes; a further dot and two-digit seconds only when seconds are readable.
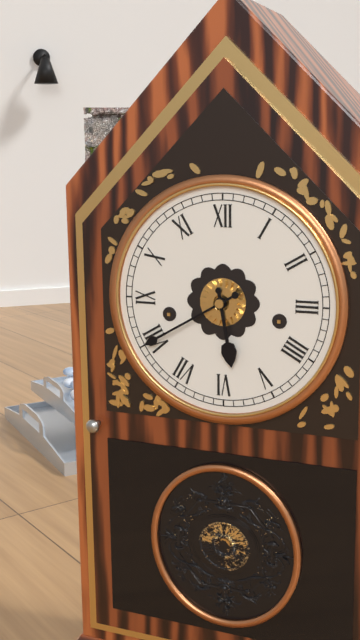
5.40
